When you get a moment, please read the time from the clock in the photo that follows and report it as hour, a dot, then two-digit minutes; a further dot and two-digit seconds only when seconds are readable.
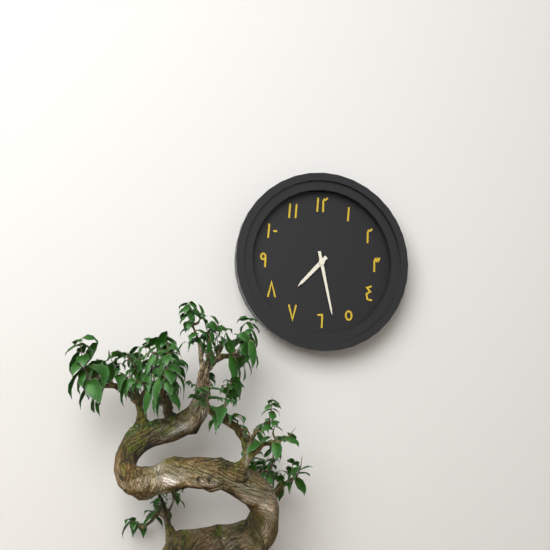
7.28
